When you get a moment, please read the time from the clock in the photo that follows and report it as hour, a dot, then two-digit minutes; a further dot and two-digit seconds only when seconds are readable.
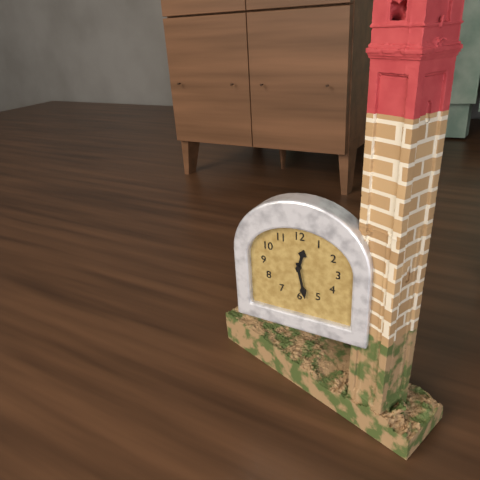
12.28
